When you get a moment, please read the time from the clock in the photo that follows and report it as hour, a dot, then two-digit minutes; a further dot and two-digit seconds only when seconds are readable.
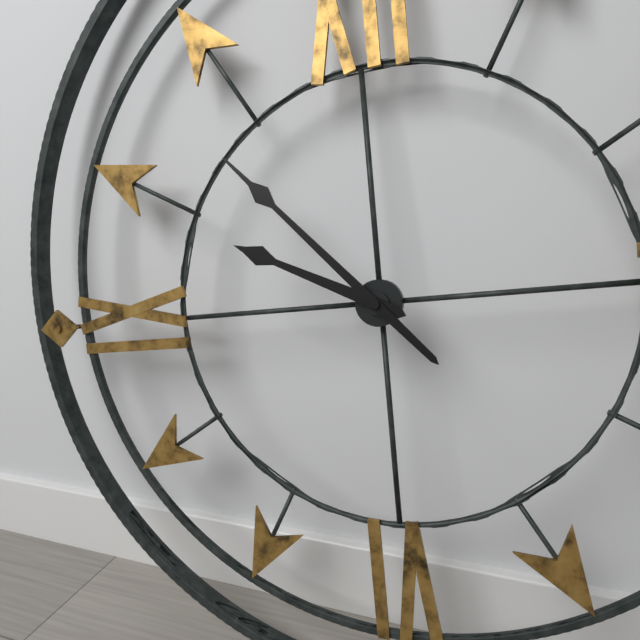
9.53
